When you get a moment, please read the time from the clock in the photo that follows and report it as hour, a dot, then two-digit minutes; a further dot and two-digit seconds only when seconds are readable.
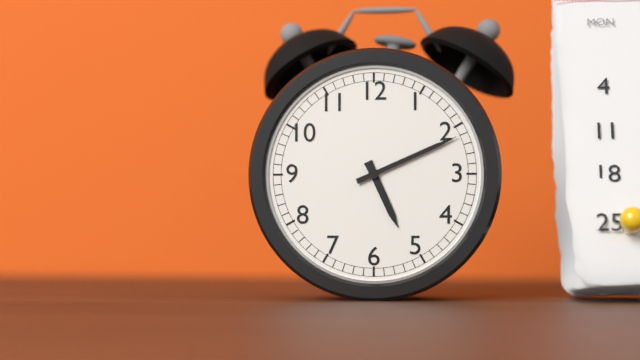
5.11
